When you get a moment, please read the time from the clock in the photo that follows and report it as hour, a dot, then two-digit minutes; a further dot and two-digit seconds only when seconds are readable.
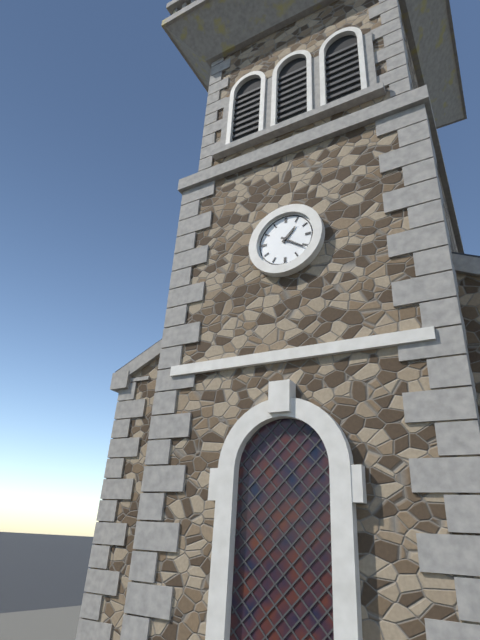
1.21
